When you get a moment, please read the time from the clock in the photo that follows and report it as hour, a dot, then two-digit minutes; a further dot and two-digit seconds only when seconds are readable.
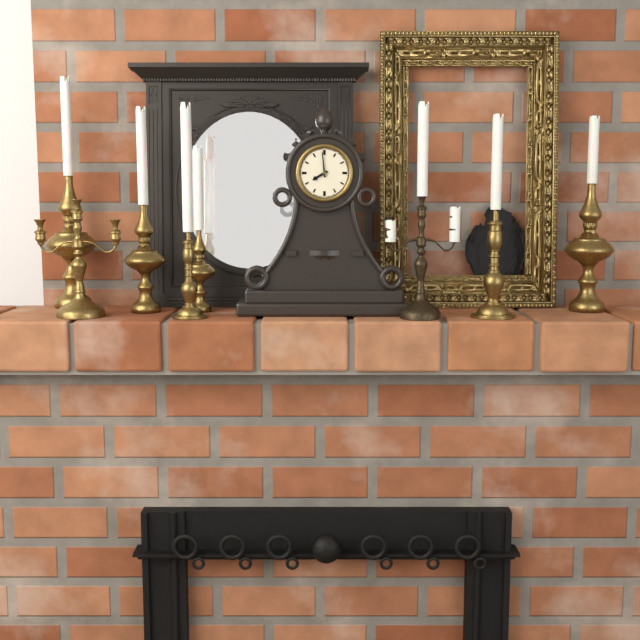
7.59
